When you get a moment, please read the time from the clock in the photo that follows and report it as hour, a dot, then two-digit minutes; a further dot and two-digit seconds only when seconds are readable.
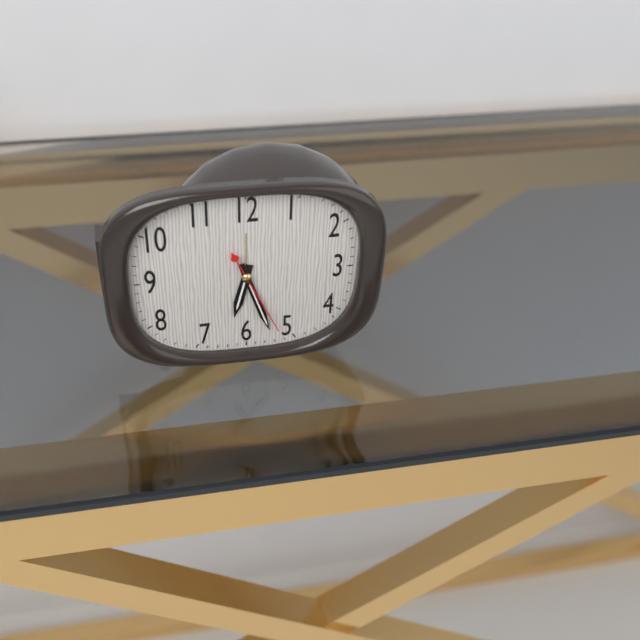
6.27.26
